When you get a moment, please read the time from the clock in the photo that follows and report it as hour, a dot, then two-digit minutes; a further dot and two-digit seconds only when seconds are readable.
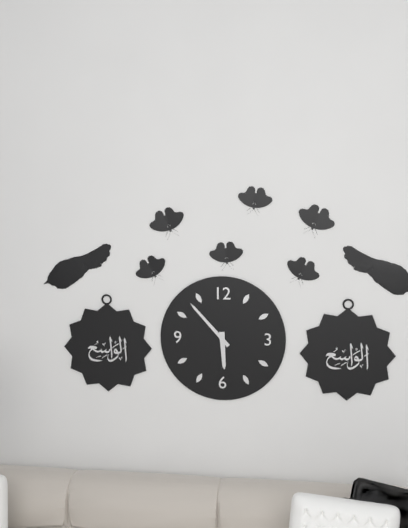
5.53
